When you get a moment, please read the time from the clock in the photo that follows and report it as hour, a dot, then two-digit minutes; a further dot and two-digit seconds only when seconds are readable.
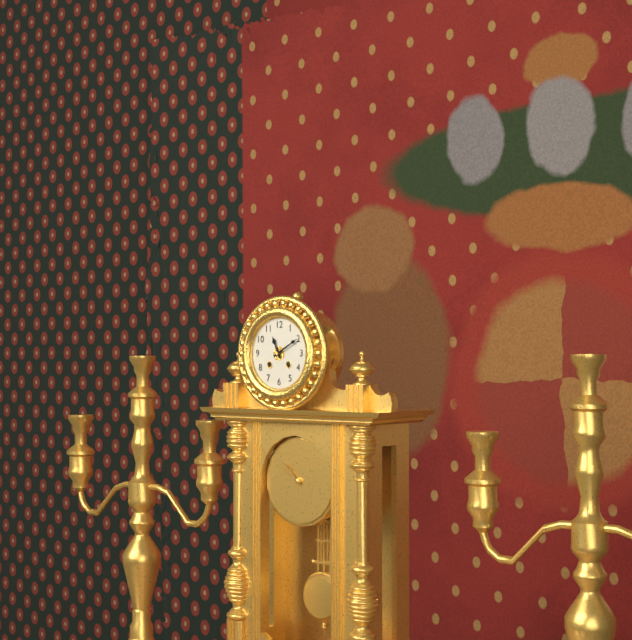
11.10
